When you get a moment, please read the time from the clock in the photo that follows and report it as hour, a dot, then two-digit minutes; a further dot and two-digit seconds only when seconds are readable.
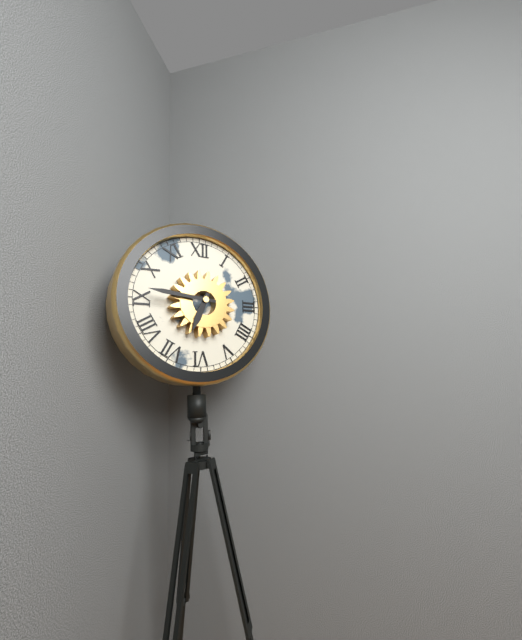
6.46
